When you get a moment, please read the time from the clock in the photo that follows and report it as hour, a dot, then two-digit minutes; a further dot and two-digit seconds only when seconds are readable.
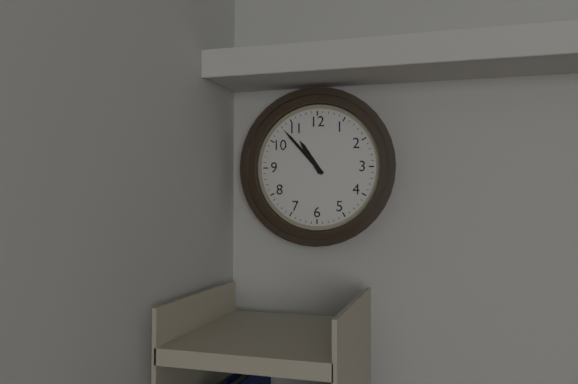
10.53
